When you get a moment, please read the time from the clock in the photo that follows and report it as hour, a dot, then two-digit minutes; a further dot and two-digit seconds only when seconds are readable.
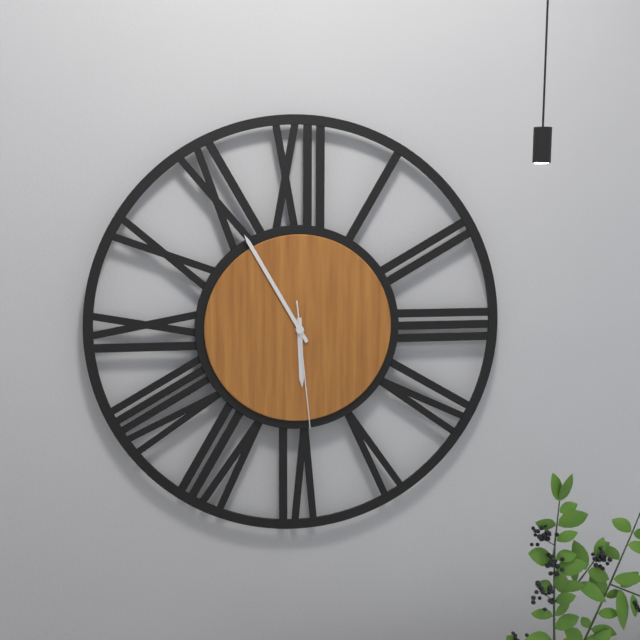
5.55.29
